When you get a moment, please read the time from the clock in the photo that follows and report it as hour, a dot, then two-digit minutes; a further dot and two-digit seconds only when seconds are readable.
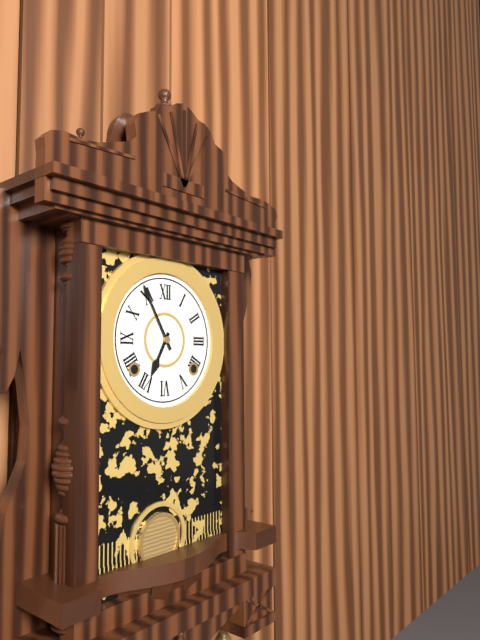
6.55
